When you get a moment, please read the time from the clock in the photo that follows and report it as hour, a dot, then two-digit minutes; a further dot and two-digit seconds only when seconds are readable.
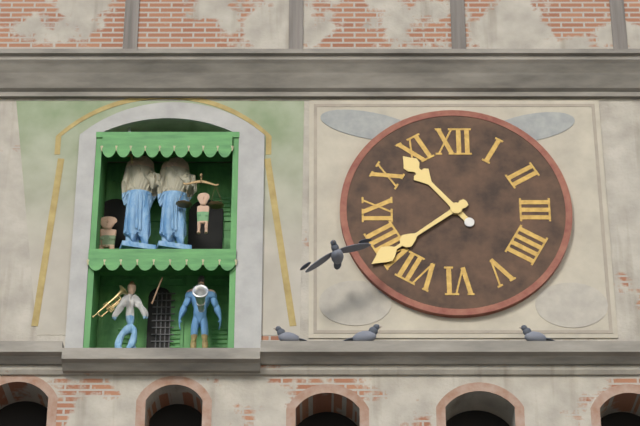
10.39
